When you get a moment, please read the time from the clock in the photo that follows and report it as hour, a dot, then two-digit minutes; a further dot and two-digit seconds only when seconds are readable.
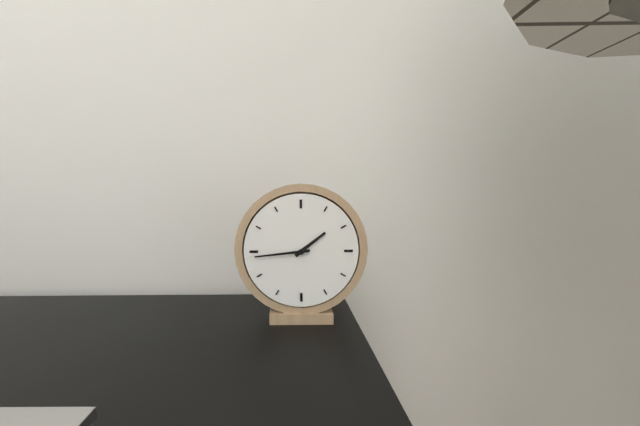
1.44
